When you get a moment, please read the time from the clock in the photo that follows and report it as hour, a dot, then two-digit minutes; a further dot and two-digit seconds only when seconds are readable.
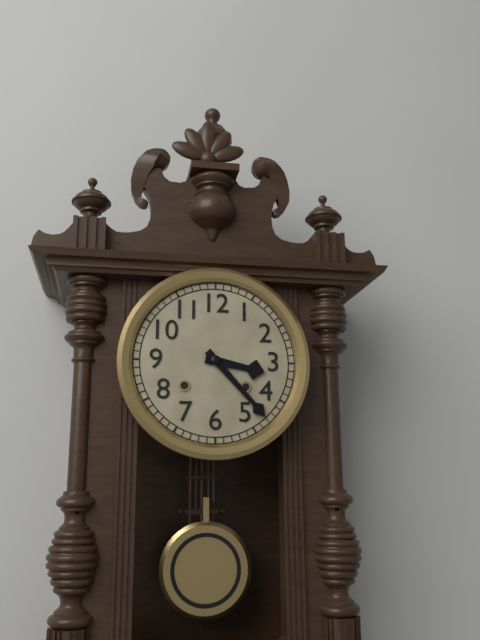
3.23
